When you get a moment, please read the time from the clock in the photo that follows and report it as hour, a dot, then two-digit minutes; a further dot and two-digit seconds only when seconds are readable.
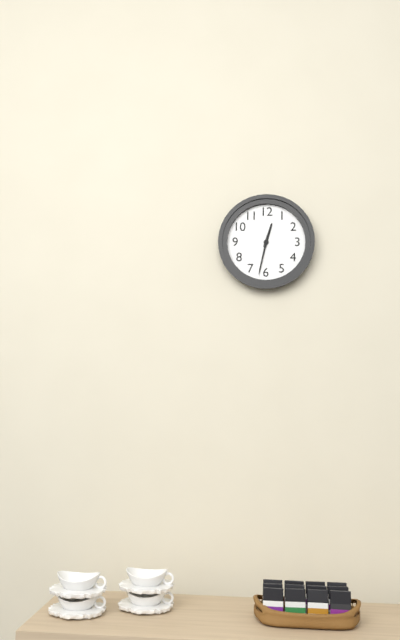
12.32
